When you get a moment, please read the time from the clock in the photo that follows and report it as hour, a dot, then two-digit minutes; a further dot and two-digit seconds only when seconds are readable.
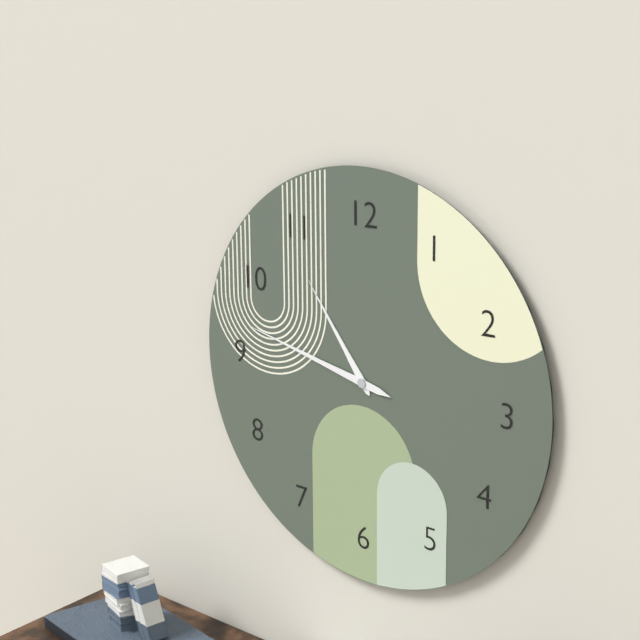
10.47
